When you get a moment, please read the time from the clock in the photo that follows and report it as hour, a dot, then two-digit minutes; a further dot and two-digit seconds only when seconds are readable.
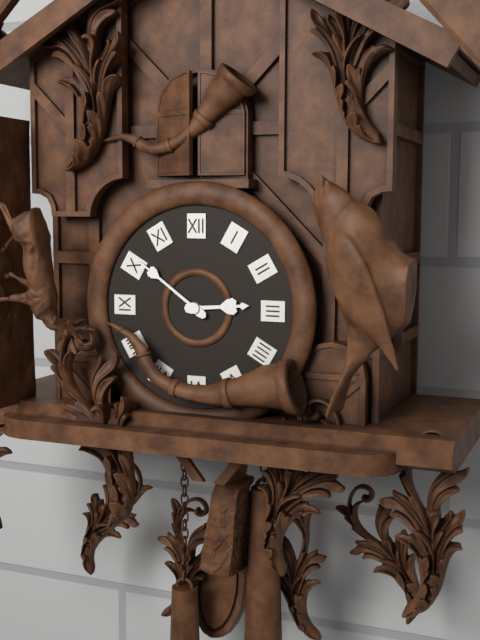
2.51
